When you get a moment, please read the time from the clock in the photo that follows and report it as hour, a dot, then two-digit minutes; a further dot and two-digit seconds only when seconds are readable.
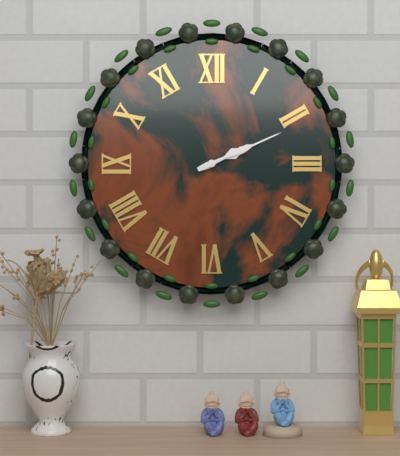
2.11
